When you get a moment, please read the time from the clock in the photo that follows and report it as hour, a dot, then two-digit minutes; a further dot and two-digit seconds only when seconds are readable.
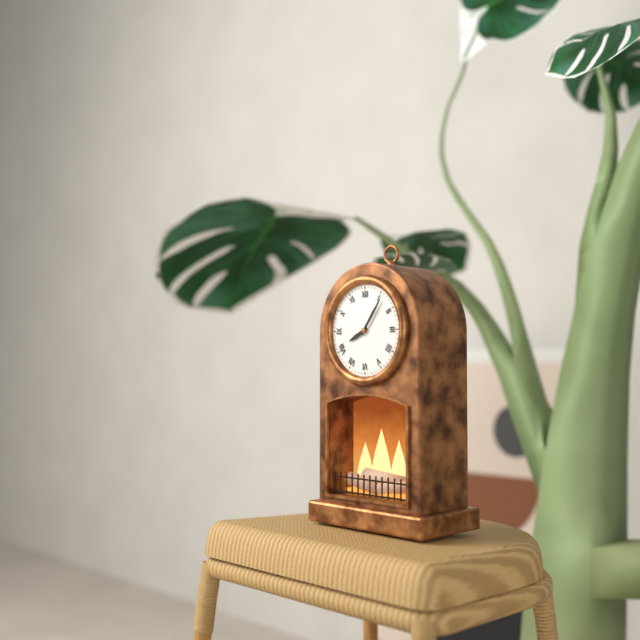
8.06
